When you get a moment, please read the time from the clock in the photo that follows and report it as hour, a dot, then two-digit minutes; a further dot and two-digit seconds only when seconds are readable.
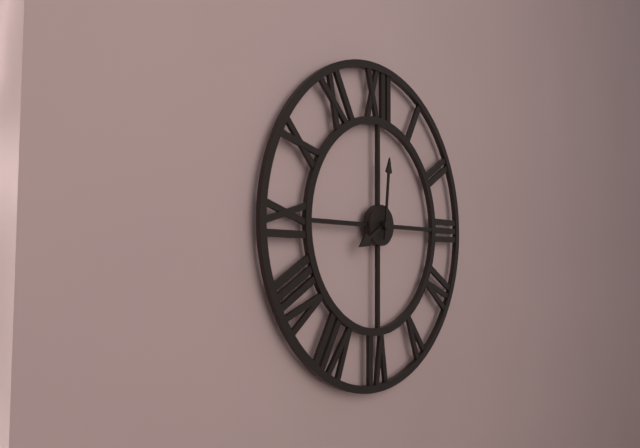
8.01
